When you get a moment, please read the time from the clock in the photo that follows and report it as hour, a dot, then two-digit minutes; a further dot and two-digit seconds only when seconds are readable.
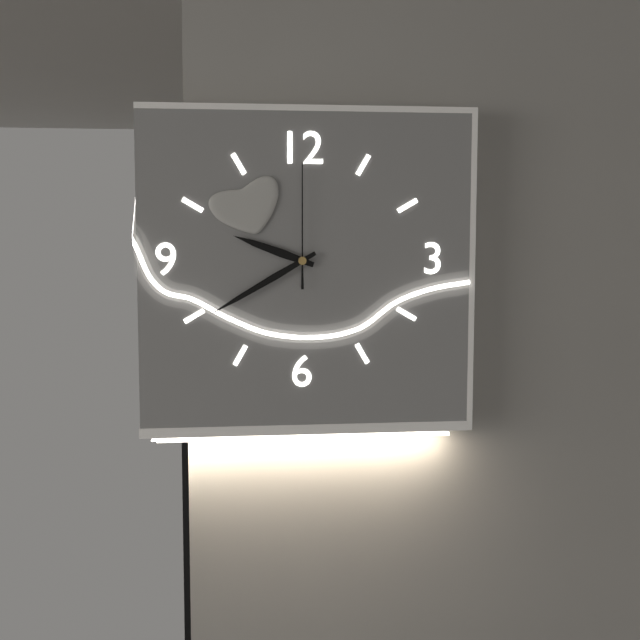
9.40.00
